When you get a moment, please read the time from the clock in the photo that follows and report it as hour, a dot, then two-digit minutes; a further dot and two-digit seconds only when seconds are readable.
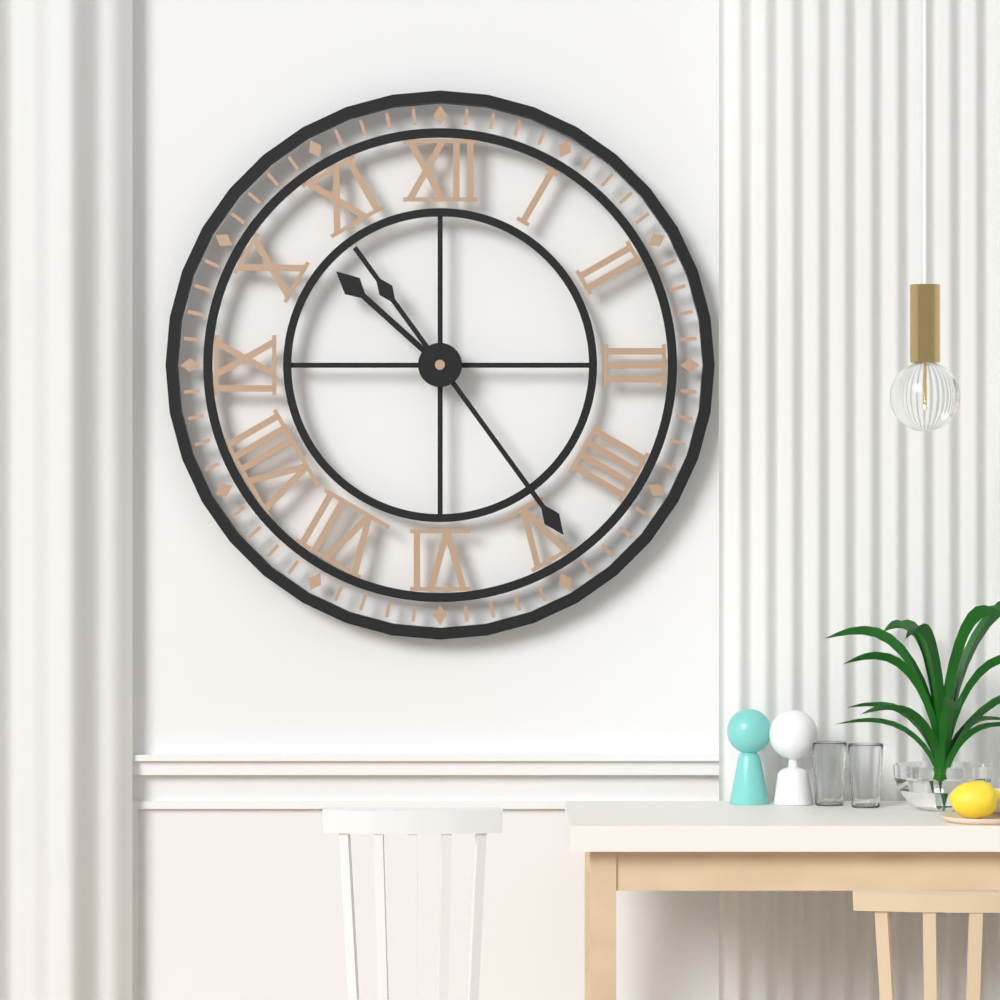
10.24
